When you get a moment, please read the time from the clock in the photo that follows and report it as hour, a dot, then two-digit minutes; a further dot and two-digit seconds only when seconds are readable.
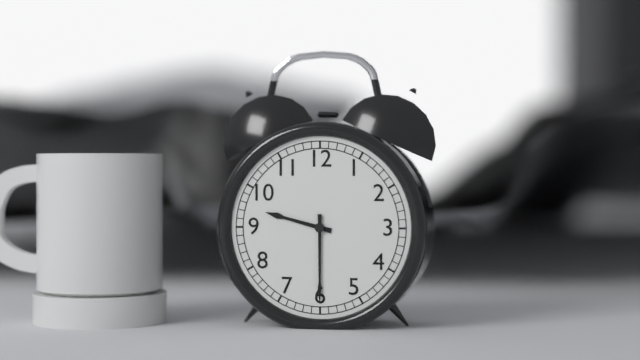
9.30
